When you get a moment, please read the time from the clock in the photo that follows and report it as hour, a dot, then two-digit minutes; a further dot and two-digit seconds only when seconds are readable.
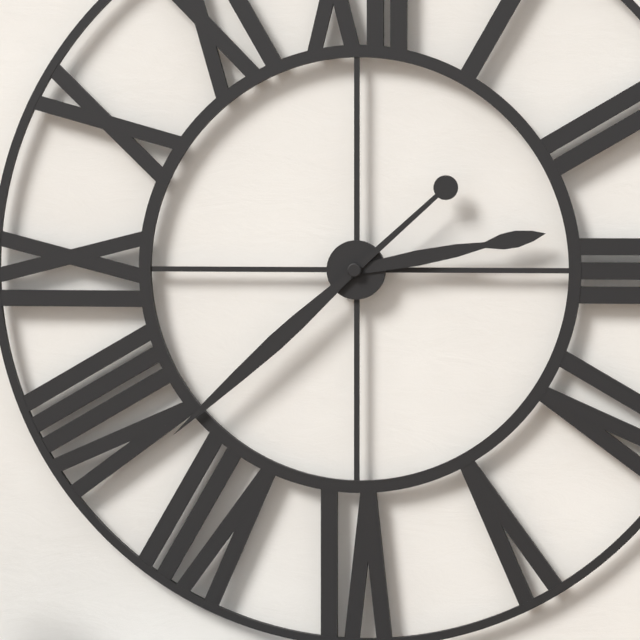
2.38
